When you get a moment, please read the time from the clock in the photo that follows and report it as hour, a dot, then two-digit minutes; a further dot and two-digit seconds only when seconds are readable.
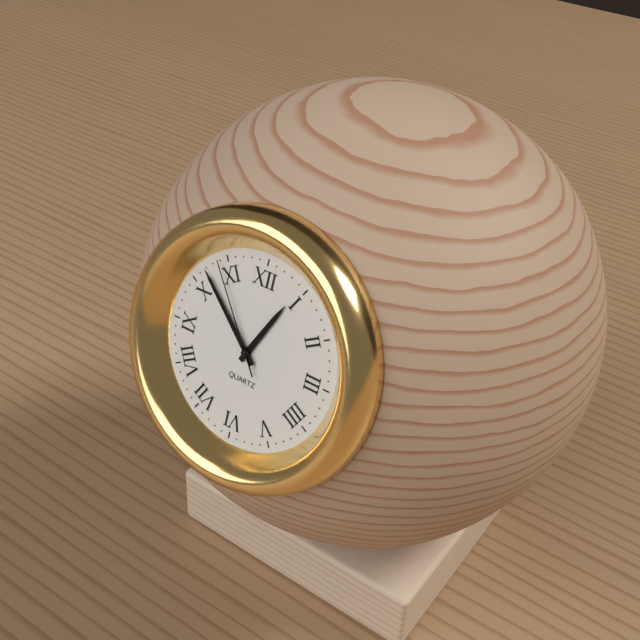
12.52.54
